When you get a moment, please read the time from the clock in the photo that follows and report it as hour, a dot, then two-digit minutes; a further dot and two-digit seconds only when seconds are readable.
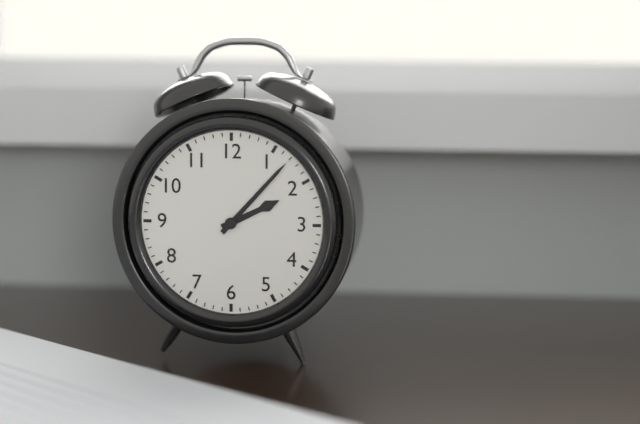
2.07
